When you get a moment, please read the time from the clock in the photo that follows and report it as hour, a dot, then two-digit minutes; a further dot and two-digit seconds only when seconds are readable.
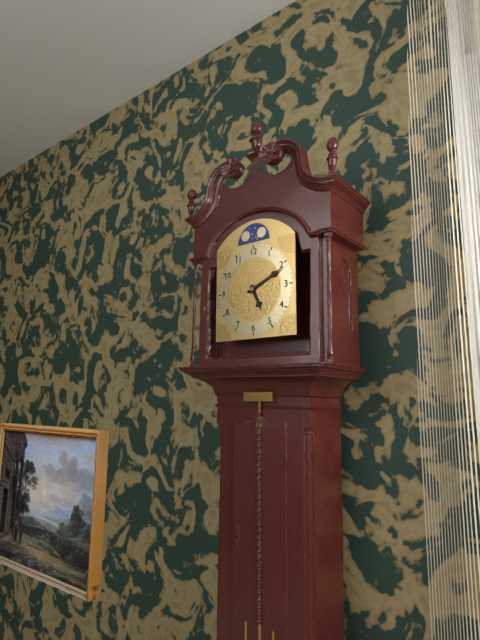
5.11
